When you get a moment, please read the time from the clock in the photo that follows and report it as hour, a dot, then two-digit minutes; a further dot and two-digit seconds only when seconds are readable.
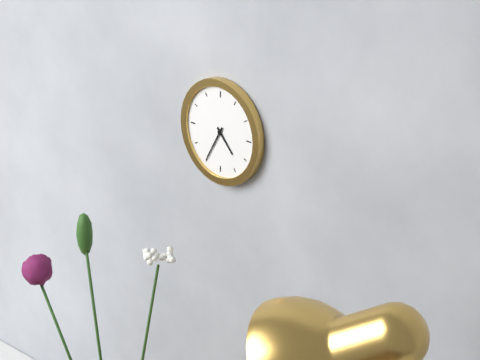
4.35
